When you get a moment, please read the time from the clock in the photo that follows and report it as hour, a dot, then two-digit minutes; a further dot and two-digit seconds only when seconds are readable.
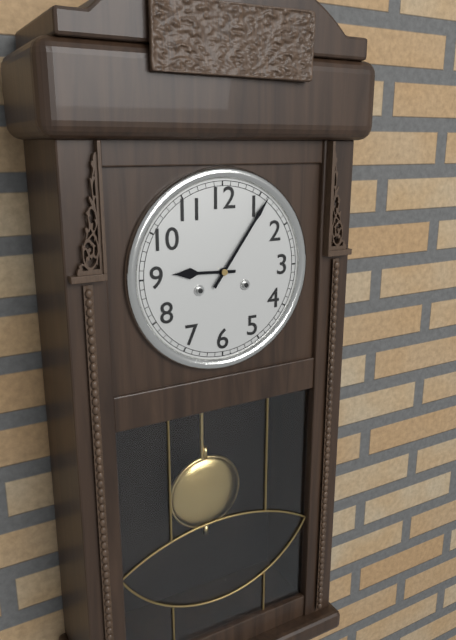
9.06
